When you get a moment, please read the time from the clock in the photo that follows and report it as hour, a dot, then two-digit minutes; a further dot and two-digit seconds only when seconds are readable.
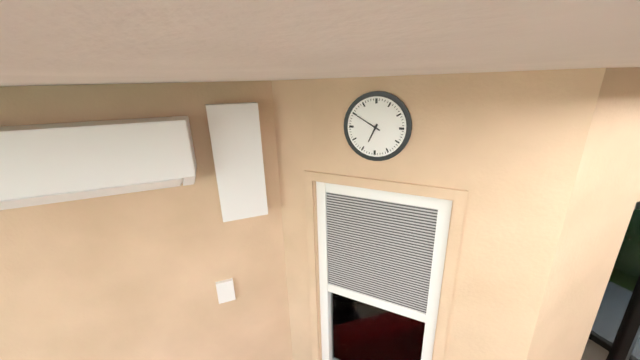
6.50
